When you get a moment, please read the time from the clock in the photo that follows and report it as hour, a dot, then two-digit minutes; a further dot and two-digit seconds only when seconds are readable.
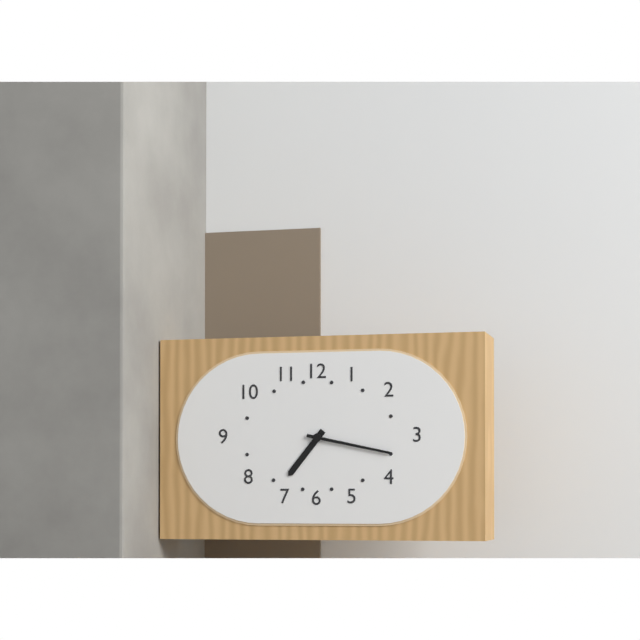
7.17
